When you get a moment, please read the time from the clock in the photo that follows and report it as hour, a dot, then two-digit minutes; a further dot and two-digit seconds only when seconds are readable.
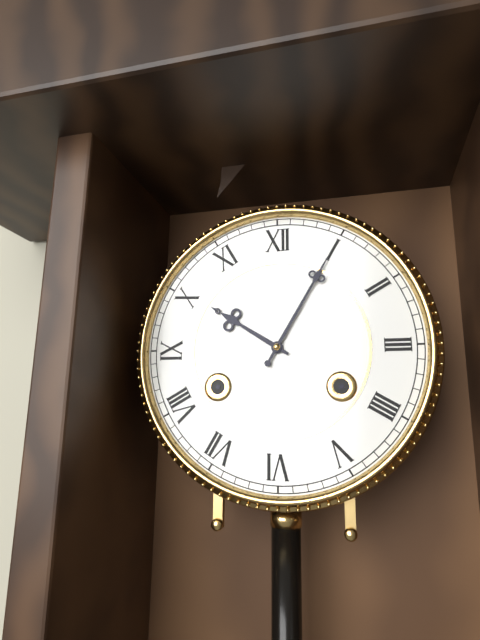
10.05
